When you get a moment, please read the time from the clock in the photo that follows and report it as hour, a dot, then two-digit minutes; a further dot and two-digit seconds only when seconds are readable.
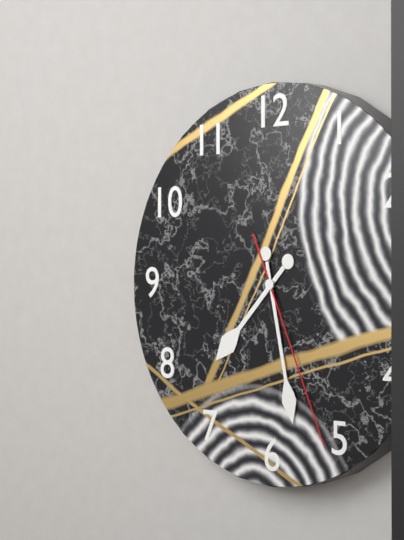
7.28.26
